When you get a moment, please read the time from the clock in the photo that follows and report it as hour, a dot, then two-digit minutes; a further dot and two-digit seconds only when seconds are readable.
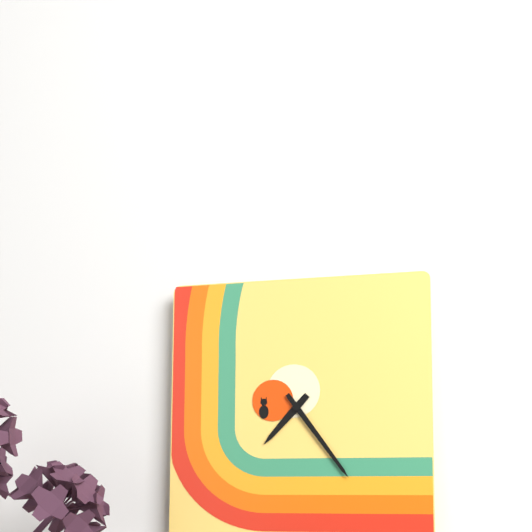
7.24
